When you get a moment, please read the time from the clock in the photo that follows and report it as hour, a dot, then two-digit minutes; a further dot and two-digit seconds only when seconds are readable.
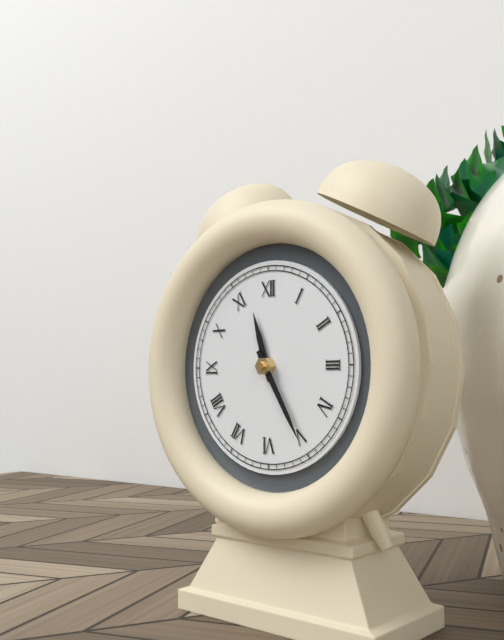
11.25
